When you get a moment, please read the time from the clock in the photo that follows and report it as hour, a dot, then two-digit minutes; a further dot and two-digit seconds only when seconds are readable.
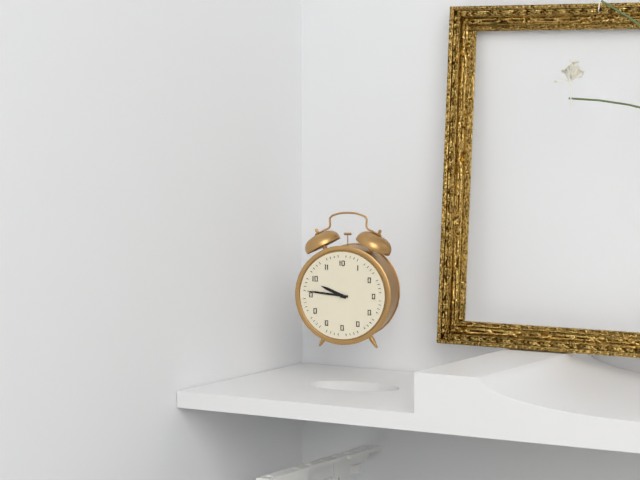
9.46
